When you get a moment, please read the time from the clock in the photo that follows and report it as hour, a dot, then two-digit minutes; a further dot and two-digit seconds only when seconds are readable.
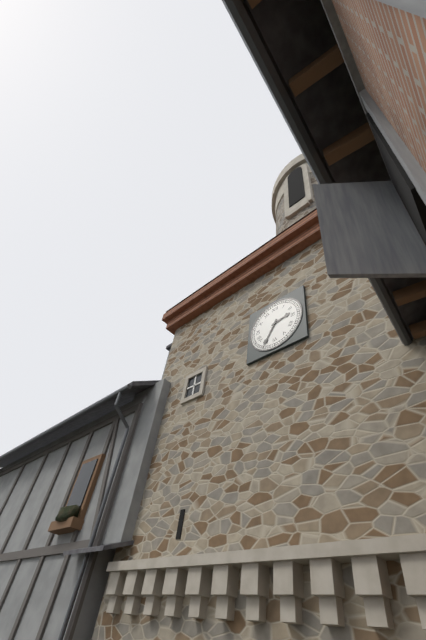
2.35
